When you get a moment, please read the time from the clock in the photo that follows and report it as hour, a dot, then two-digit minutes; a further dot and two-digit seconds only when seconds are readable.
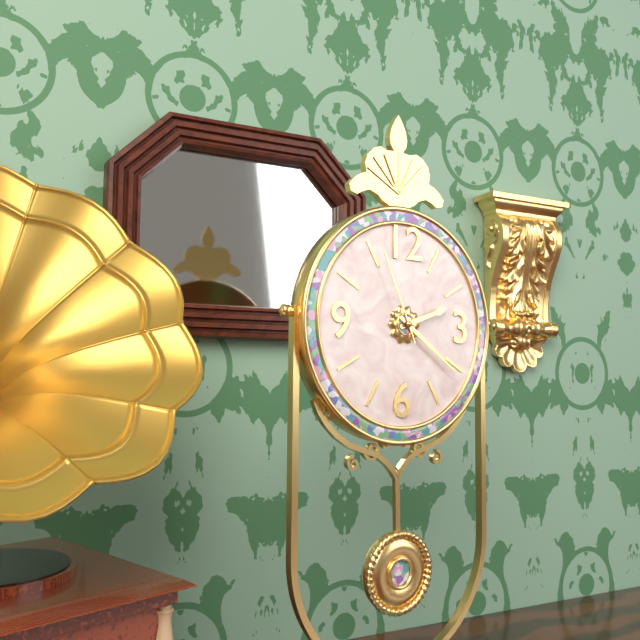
2.21.56
